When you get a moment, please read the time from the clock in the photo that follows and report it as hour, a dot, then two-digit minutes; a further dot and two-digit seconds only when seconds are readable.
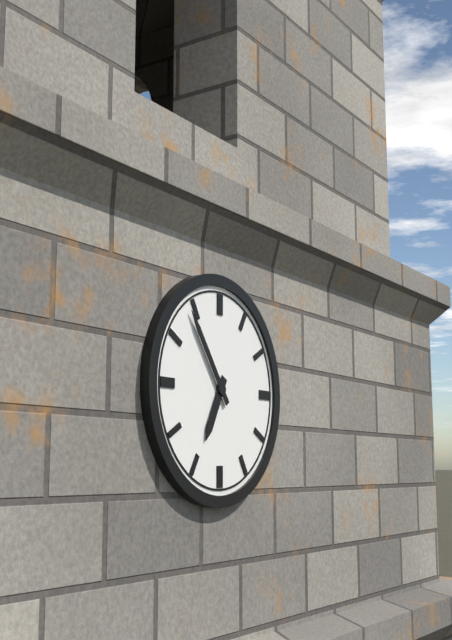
6.54
